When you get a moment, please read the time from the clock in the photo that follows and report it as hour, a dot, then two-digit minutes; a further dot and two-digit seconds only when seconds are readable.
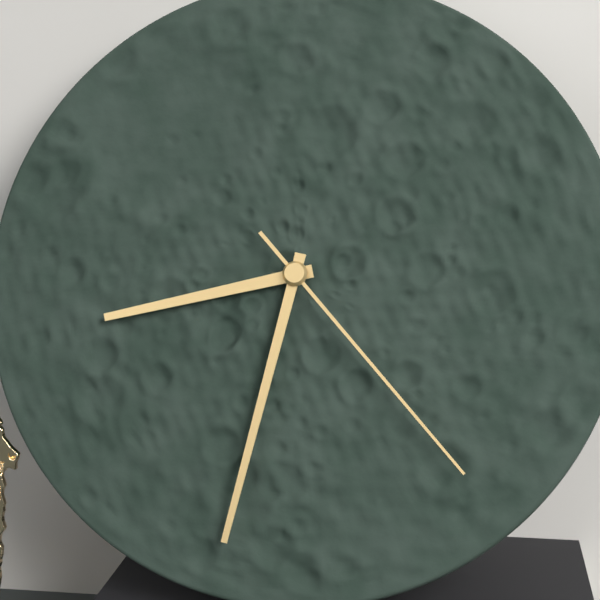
8.32.23
